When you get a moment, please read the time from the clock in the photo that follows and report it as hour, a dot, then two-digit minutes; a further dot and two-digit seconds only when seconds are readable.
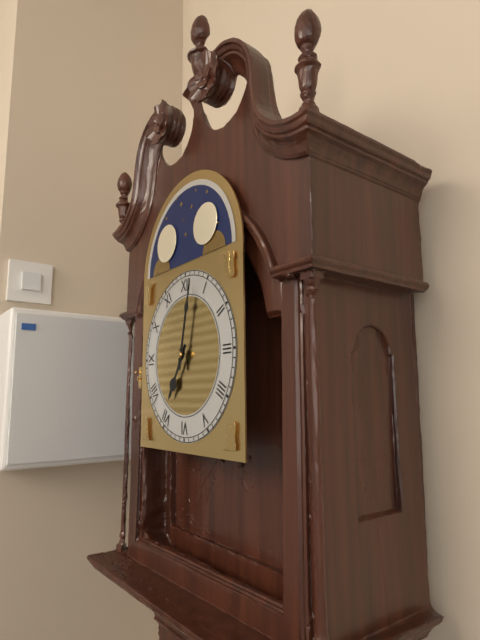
7.02
